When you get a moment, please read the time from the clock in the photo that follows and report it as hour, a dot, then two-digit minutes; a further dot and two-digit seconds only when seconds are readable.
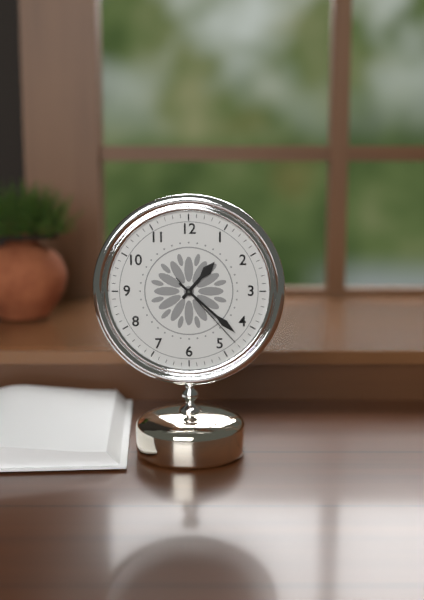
1.22.23
